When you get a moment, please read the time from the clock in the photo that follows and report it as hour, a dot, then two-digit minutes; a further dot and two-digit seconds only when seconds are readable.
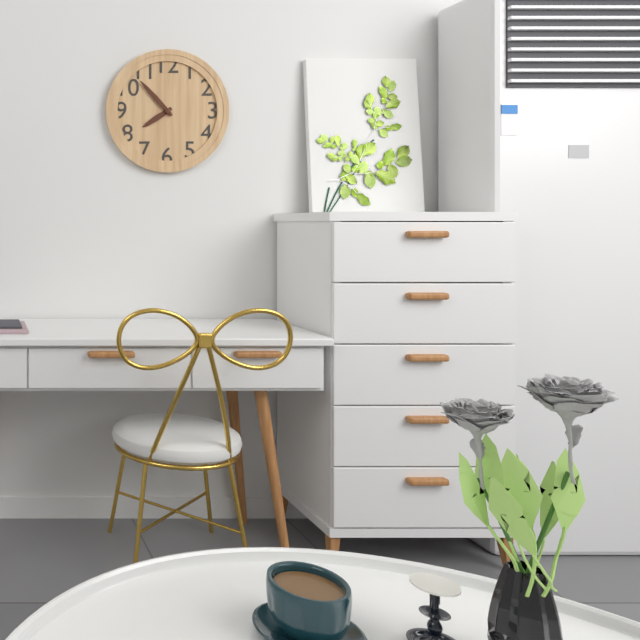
7.53
